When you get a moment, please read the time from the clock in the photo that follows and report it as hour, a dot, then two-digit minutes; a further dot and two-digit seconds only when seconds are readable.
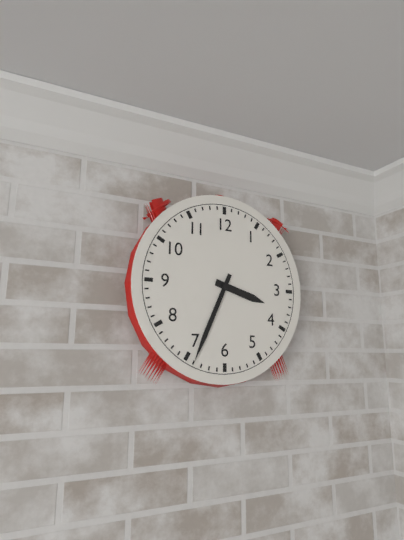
3.34
